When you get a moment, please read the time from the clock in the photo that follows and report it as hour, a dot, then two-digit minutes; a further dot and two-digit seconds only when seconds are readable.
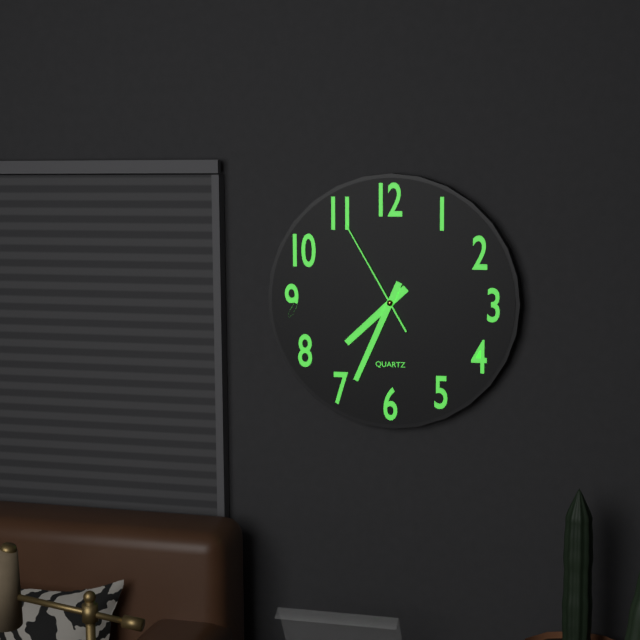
7.34.55
